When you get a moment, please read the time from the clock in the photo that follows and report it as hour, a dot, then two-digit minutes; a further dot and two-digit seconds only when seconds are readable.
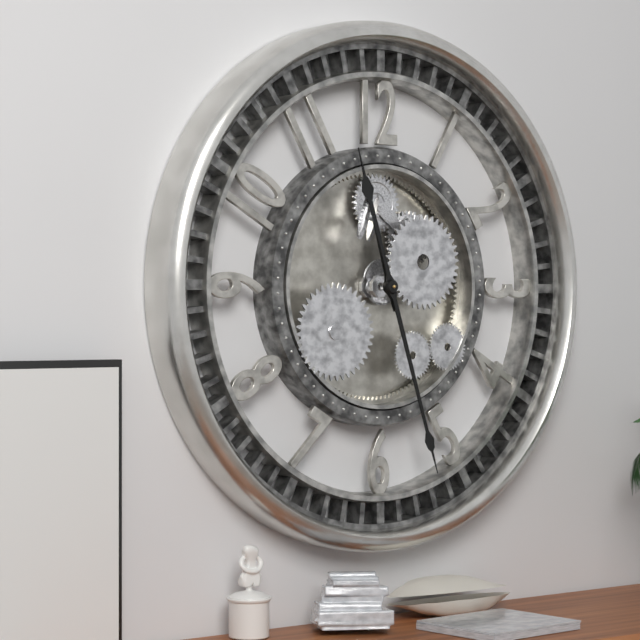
11.27
